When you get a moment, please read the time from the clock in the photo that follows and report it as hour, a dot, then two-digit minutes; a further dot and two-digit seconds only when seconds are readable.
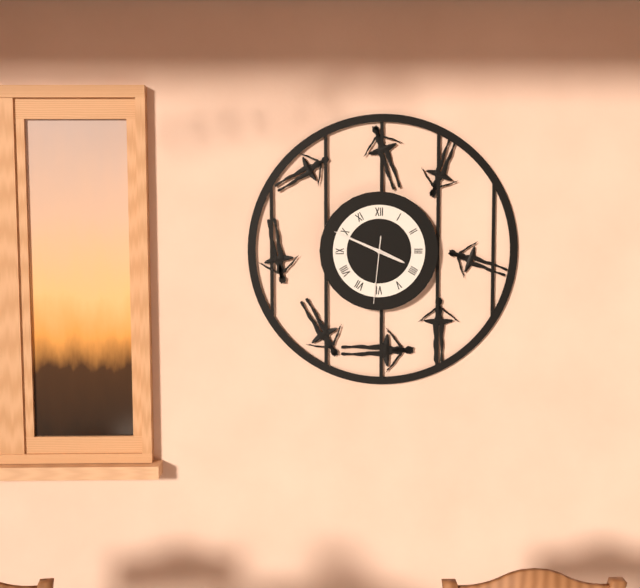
3.49.31
